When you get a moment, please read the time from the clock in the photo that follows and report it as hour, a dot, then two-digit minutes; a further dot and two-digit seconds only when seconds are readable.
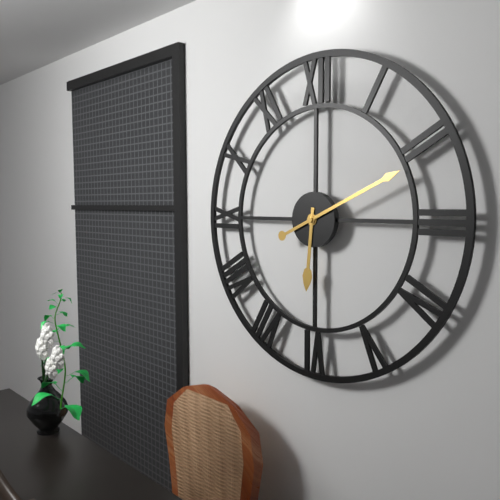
6.11
